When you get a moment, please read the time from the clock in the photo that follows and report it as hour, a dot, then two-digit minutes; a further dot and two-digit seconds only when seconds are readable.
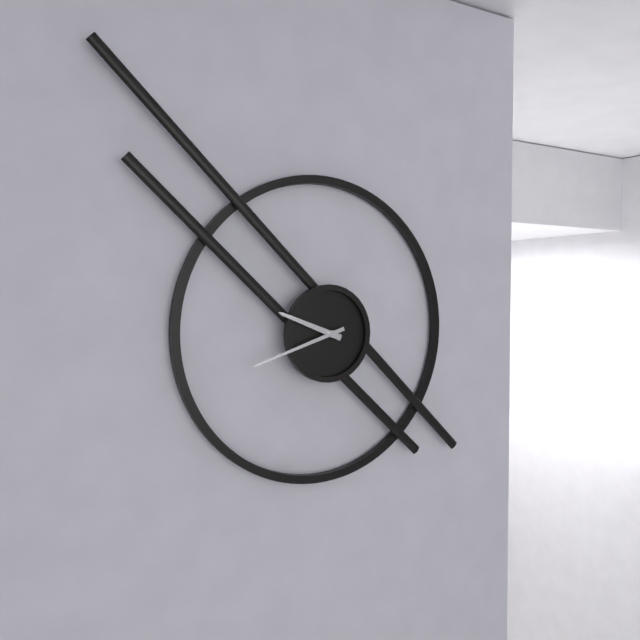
9.42
